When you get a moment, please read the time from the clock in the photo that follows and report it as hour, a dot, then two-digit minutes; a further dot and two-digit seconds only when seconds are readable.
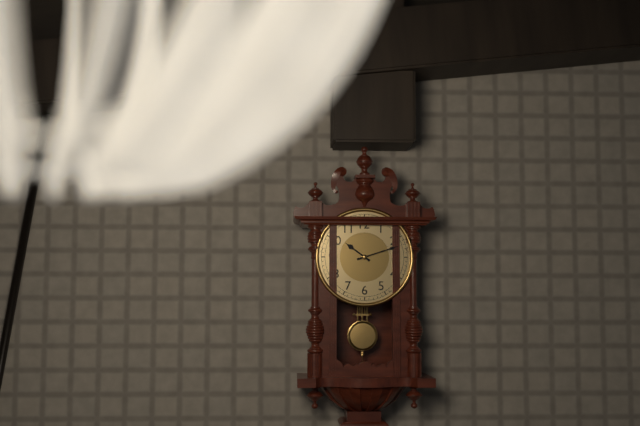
10.12
